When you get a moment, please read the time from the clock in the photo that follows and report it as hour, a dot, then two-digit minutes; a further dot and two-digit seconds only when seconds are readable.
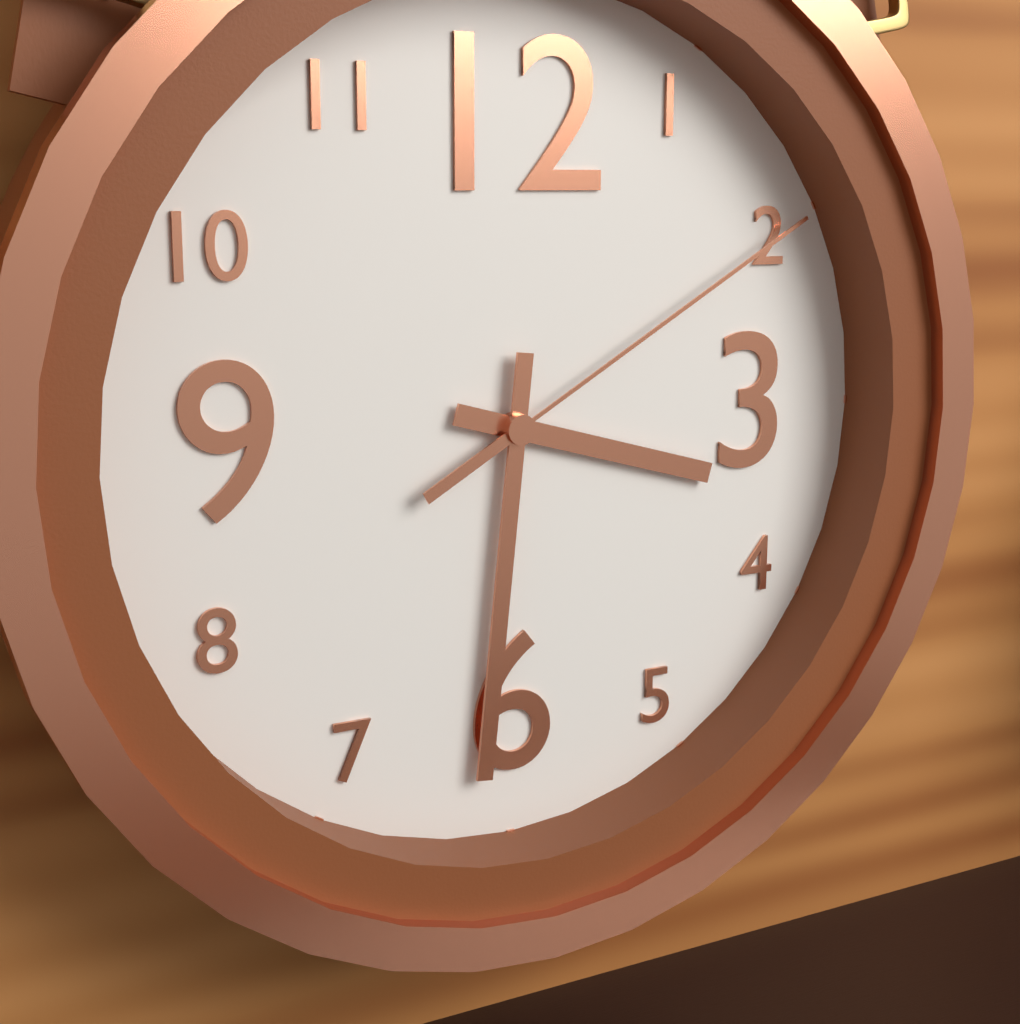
3.31.10
